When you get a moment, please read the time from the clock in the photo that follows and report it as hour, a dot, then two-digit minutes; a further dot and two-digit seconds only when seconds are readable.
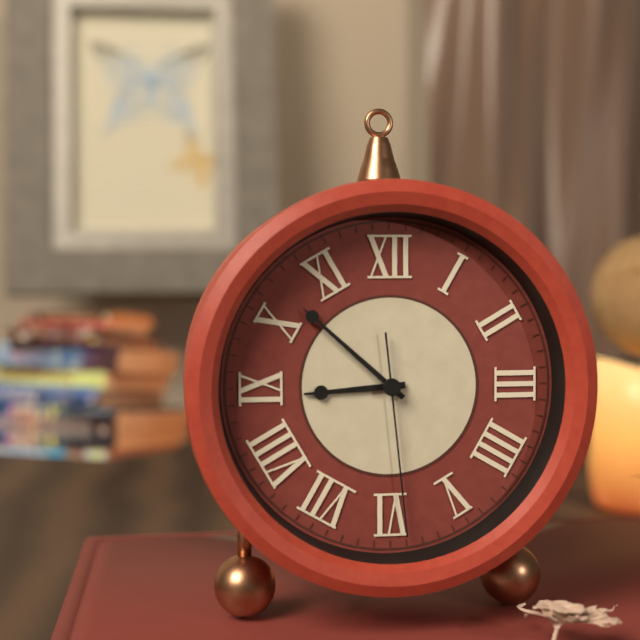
8.52.29
